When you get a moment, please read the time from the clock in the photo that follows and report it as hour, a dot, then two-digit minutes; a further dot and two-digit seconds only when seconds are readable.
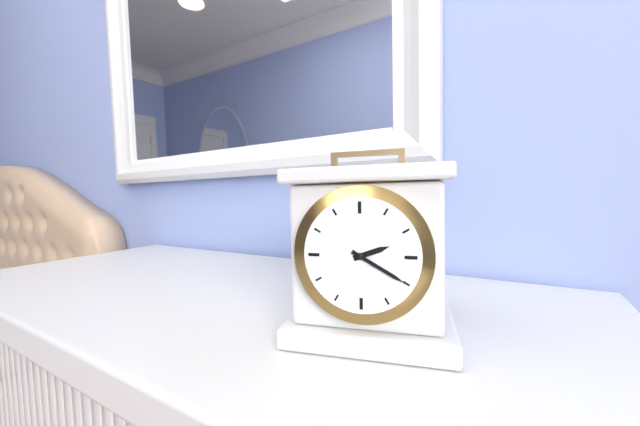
2.20
